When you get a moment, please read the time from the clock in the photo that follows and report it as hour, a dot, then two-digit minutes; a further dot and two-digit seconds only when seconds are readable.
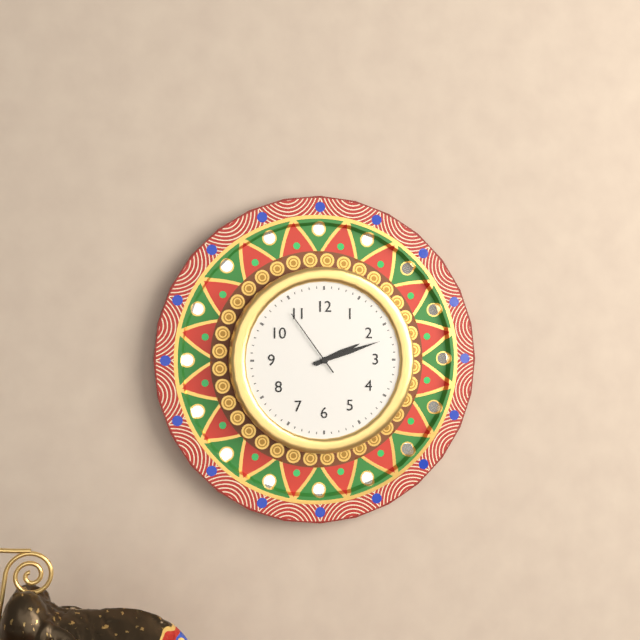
2.12.54
